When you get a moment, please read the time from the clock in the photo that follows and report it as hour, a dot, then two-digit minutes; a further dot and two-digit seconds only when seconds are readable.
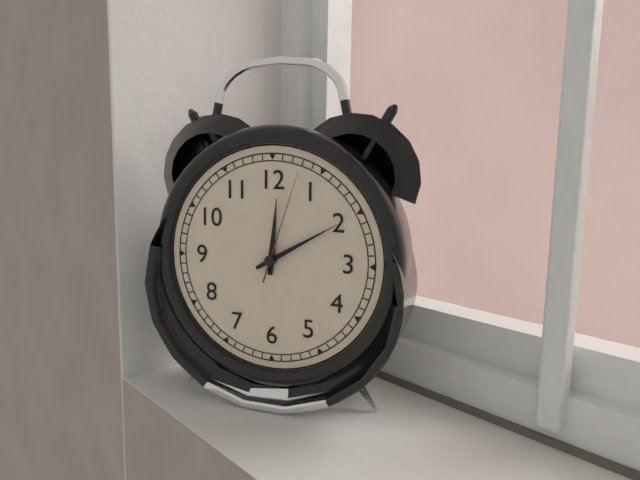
12.10.03
